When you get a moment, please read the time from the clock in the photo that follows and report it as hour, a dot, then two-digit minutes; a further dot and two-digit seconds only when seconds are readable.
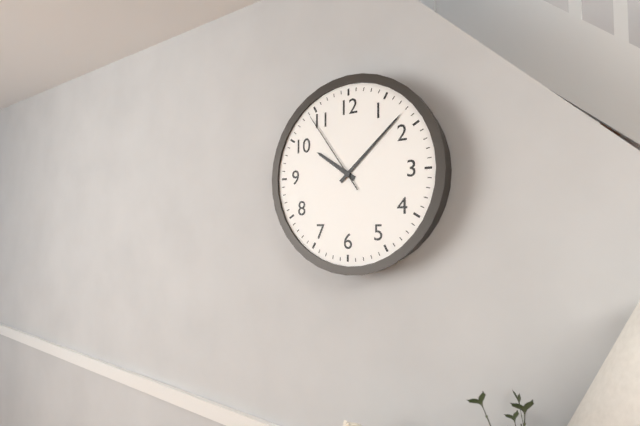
10.08.54
